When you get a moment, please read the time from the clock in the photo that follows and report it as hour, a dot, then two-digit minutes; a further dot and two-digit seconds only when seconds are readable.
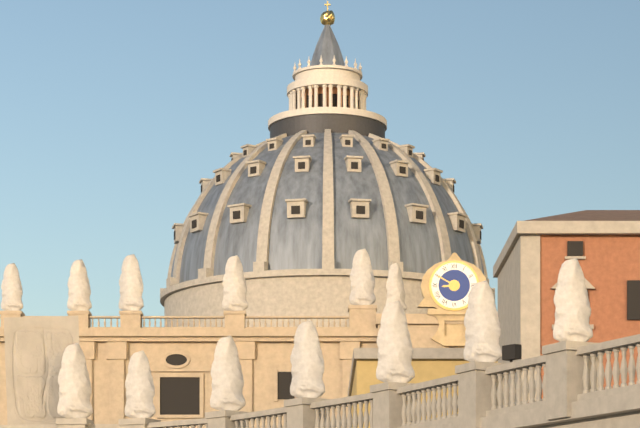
8.50
